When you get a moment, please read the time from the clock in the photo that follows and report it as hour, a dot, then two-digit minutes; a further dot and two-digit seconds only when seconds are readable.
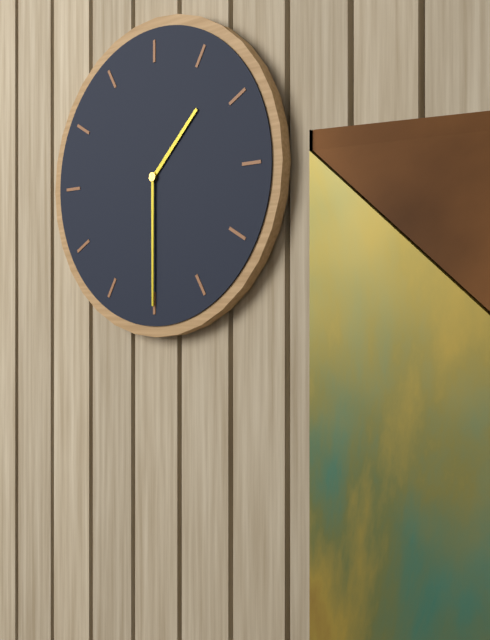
1.30
